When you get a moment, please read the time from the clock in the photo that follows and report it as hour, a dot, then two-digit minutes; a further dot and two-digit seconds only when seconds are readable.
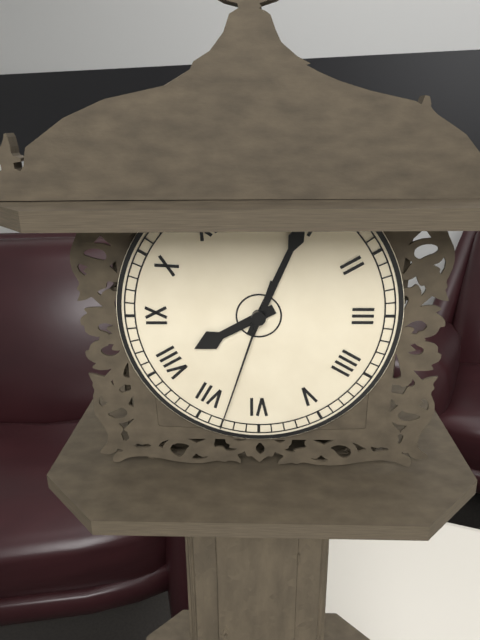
8.04.33
